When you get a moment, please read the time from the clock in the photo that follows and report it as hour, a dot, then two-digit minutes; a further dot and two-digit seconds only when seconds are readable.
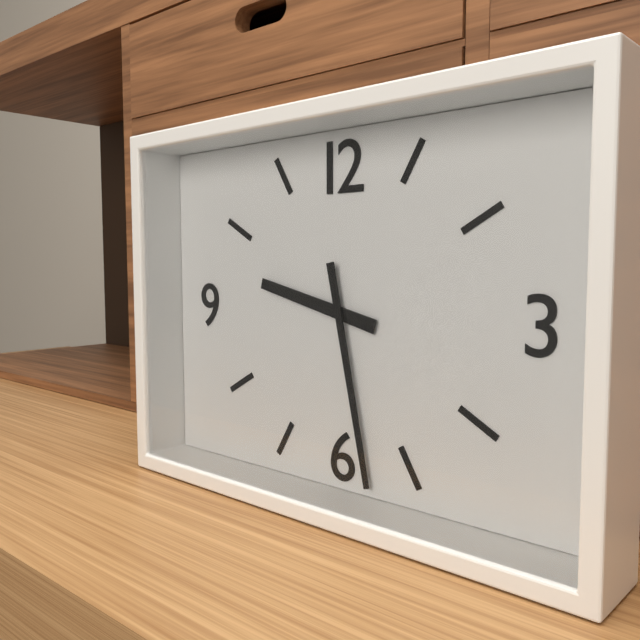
9.28
